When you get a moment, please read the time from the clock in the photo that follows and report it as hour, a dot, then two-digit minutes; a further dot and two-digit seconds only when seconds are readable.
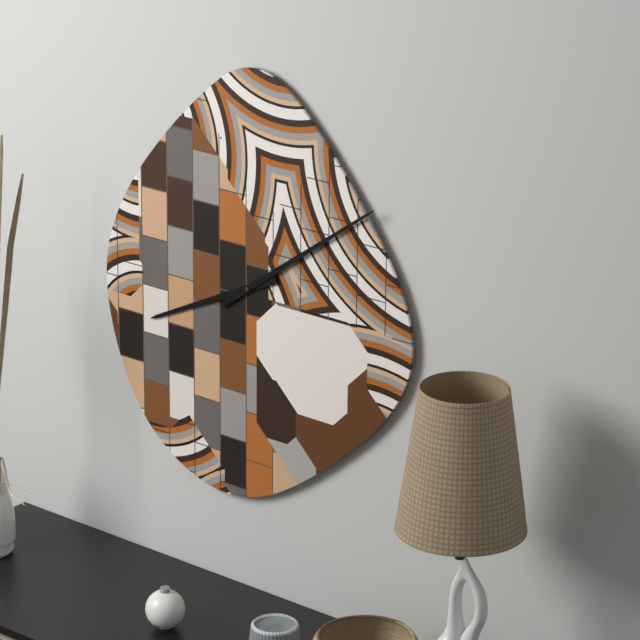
8.09
